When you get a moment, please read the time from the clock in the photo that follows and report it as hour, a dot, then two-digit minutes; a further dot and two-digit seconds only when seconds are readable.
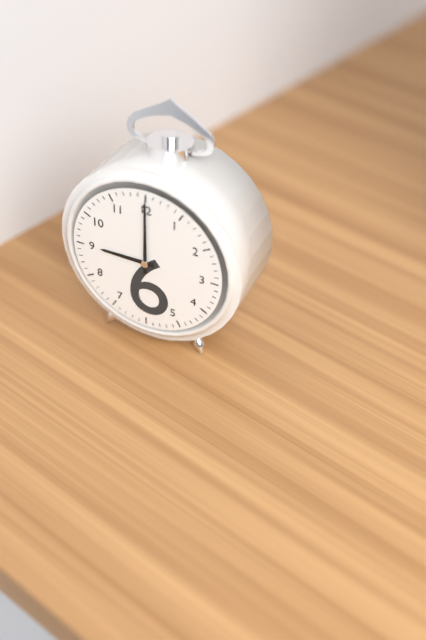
9.00
